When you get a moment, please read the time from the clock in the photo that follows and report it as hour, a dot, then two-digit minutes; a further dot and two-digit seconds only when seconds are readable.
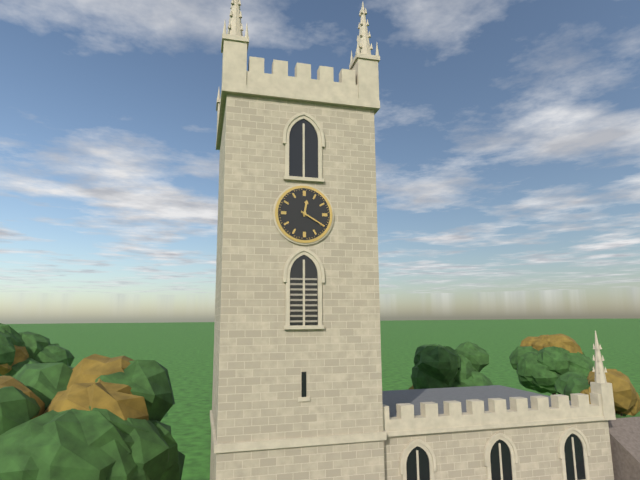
12.20
